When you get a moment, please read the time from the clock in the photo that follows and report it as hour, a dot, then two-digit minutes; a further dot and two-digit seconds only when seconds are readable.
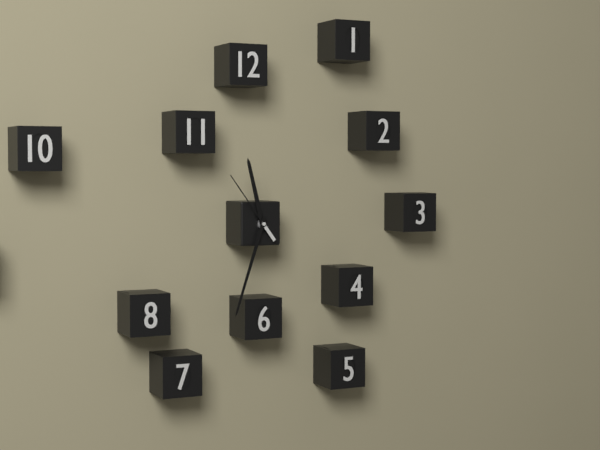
11.33.54
